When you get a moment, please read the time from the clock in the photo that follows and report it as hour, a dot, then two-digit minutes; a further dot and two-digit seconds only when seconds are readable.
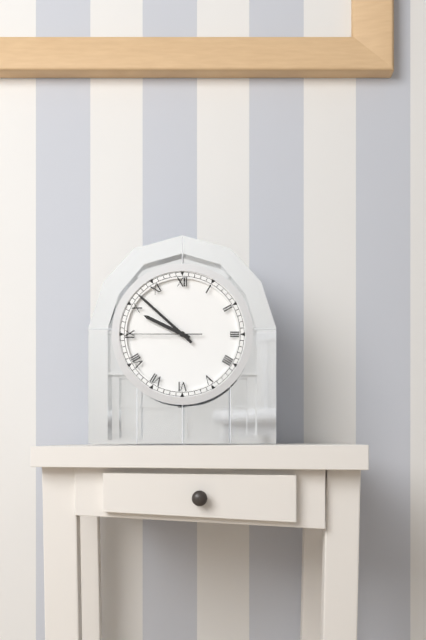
9.52.45
